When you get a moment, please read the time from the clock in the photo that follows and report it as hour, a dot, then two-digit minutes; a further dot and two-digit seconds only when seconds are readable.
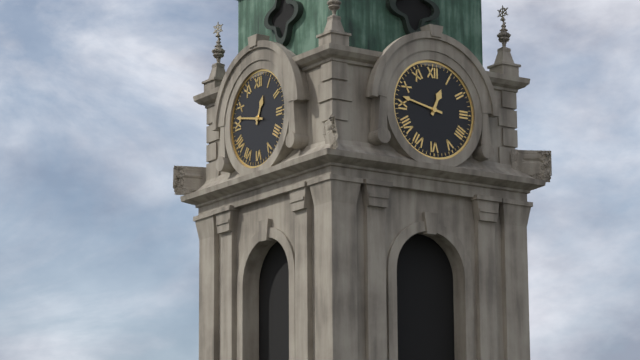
12.47
